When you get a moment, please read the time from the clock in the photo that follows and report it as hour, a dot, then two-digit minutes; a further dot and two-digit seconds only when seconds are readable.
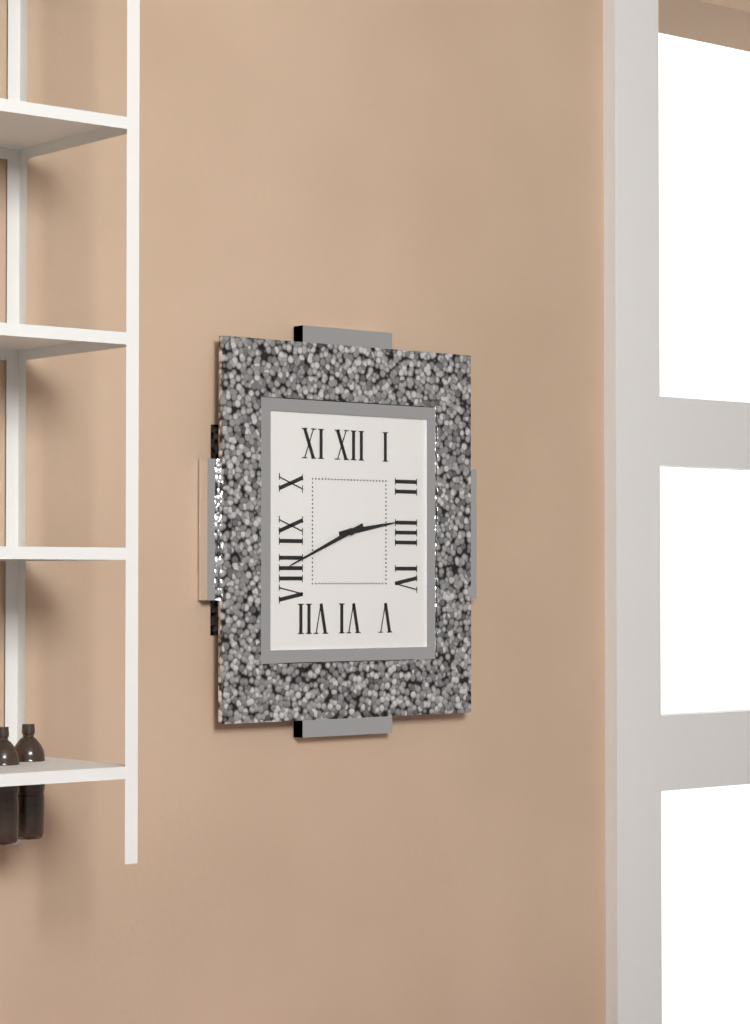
2.41
